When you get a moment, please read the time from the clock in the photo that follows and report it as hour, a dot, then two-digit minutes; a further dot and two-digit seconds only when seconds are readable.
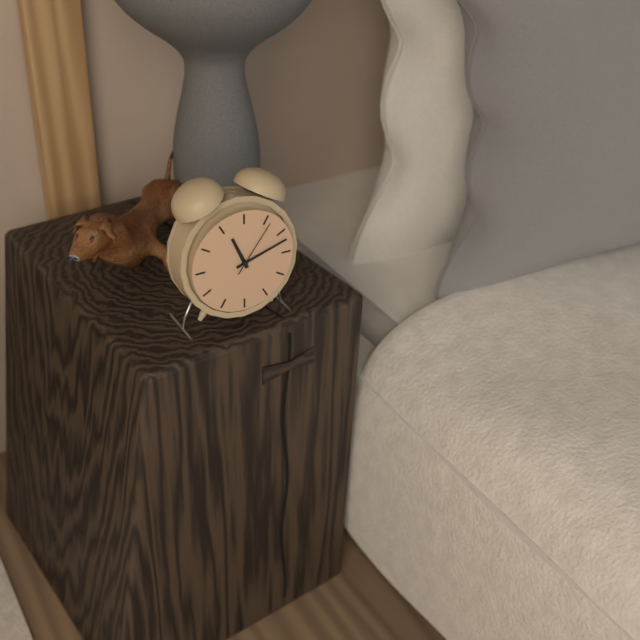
11.12.06
